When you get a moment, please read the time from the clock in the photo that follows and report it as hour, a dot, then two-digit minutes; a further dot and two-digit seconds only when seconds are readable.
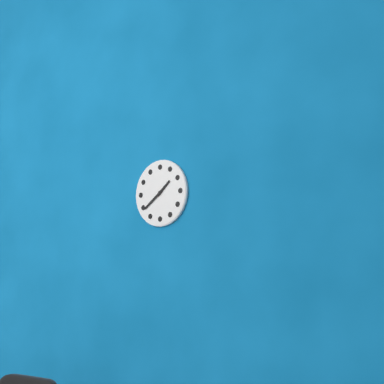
1.39
